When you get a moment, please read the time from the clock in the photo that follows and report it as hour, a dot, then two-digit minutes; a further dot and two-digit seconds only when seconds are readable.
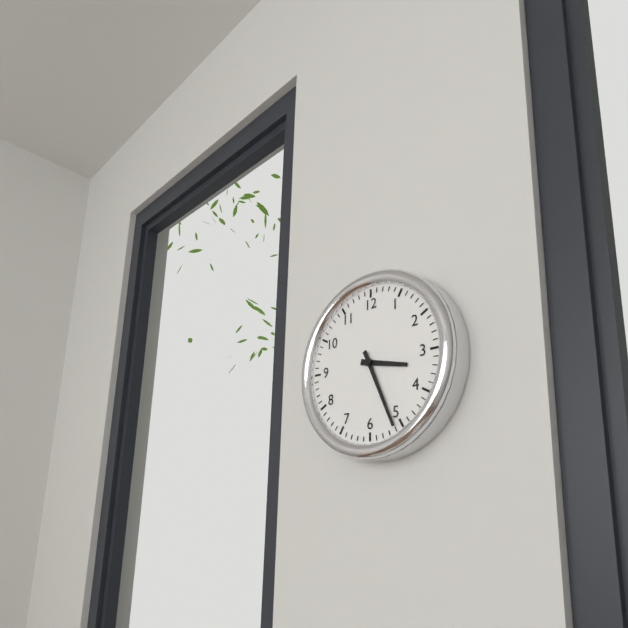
3.26
